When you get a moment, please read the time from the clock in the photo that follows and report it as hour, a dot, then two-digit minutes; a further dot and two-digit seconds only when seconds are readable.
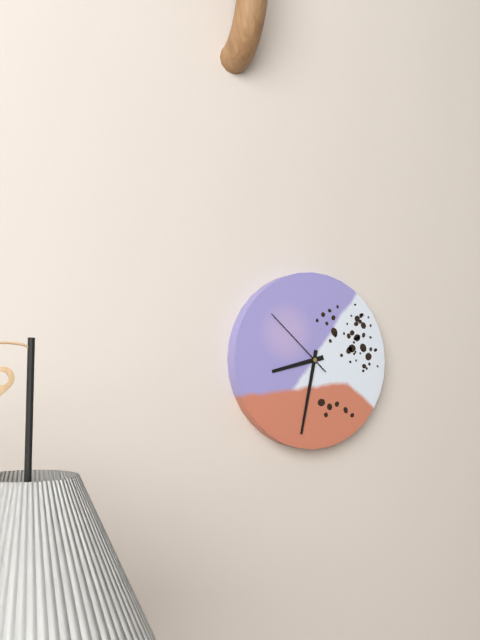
8.32.52
